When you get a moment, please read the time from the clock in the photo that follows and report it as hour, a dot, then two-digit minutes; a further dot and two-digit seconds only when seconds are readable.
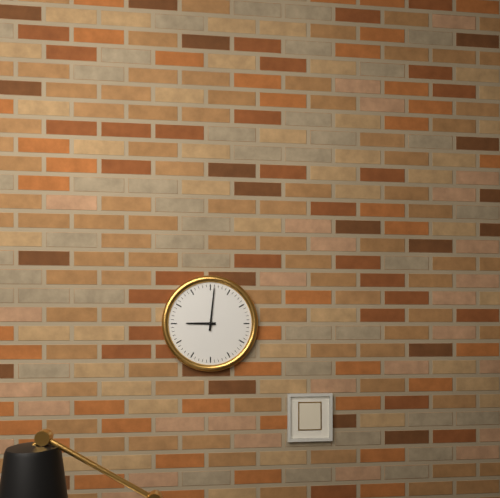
9.01
